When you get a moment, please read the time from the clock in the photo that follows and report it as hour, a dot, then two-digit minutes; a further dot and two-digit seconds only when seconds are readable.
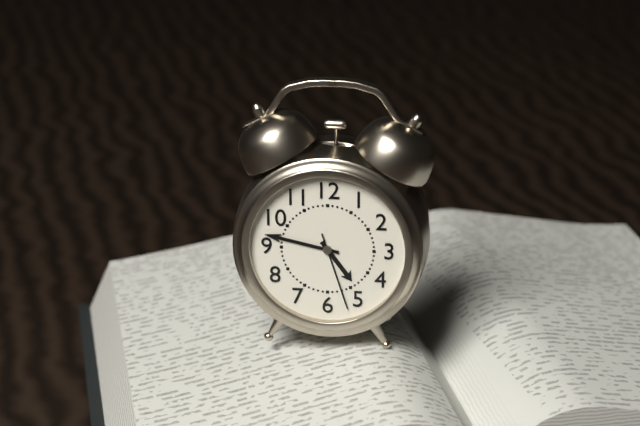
4.47.27
